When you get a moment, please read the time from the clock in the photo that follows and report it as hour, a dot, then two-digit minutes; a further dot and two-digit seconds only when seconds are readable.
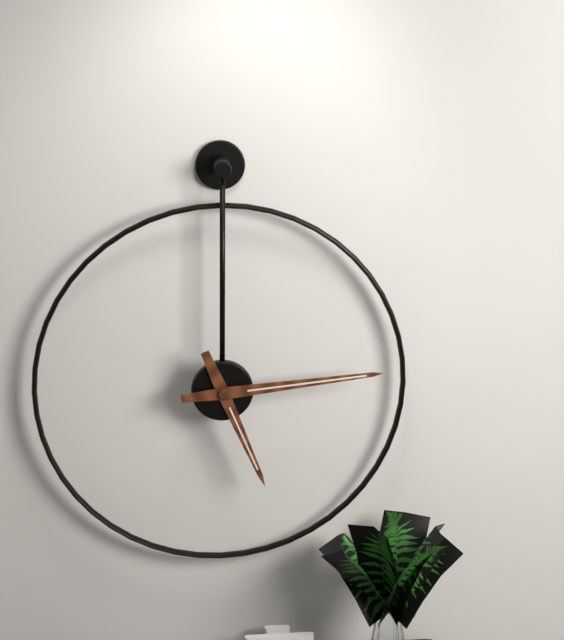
5.14
